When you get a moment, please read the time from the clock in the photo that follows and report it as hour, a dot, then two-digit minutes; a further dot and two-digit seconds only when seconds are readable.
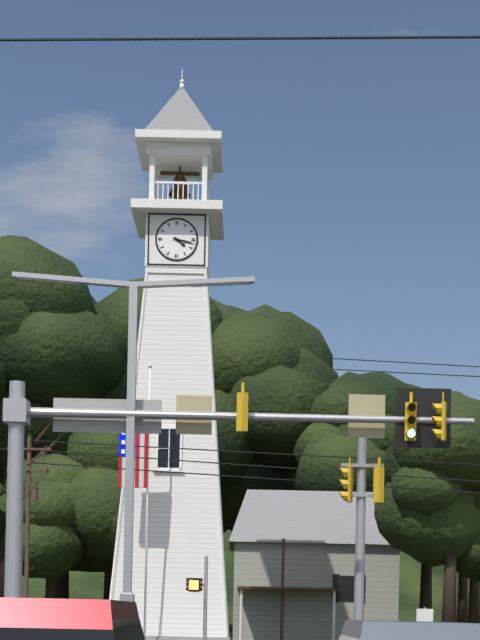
4.17
